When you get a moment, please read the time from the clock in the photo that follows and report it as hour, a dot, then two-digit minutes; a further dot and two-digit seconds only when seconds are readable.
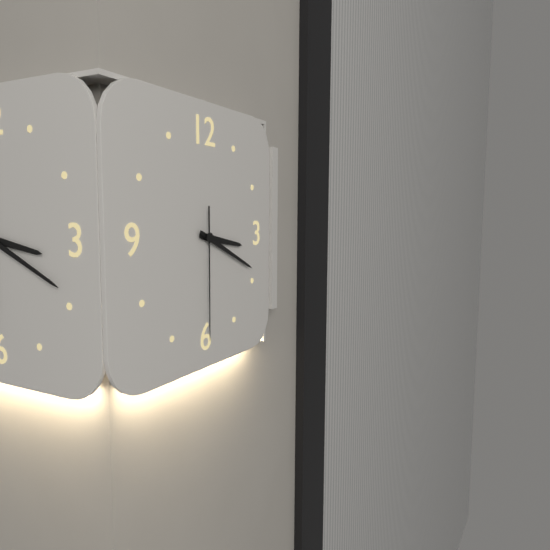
3.19.30
